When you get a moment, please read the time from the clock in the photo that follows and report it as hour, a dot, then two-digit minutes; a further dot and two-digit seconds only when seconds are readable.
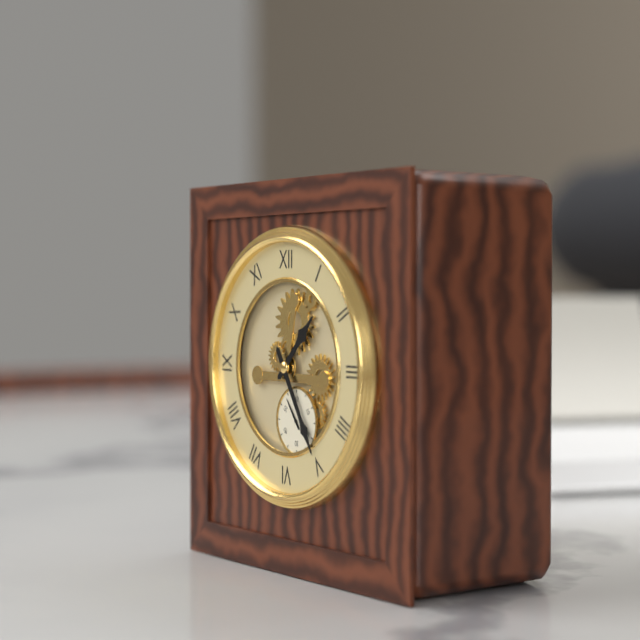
1.25
